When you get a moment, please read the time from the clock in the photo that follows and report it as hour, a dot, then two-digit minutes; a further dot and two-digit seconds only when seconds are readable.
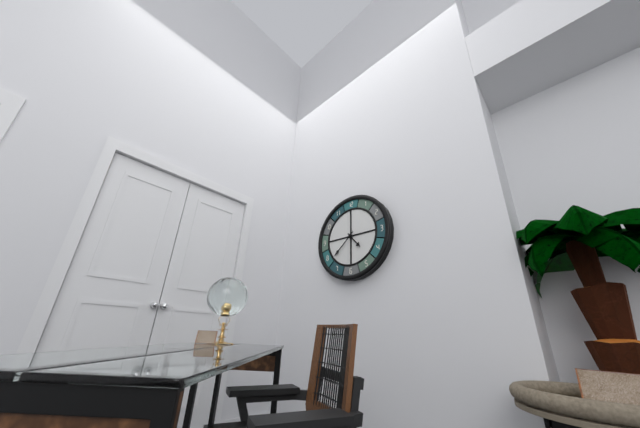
4.38
